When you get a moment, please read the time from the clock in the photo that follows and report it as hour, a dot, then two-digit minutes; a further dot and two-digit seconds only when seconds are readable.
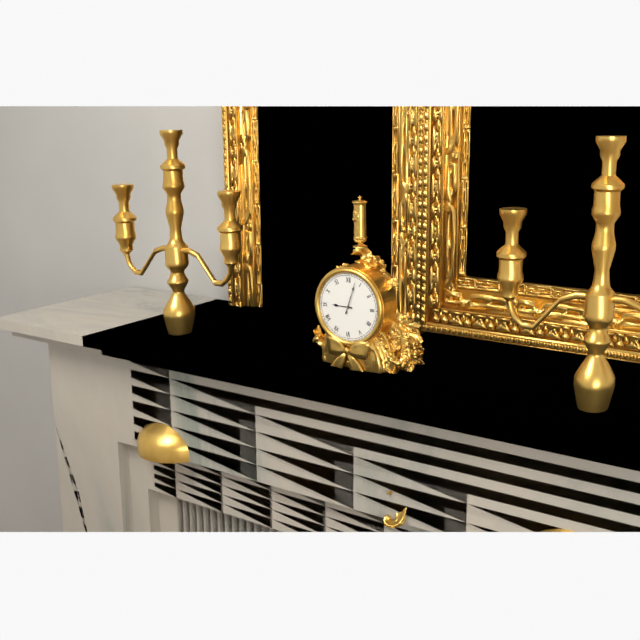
9.03
